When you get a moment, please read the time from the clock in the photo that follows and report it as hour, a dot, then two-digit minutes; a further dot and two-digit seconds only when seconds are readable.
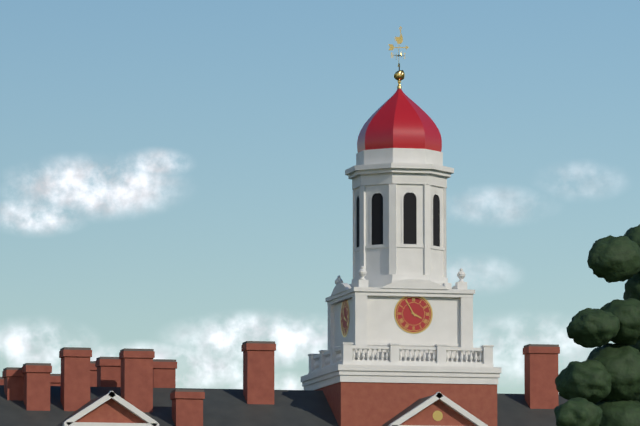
3.55
